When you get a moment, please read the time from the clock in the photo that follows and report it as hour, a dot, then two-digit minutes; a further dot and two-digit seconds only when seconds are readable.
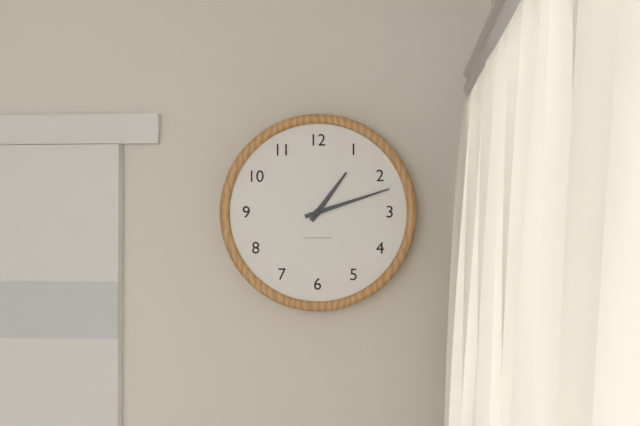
1.12
